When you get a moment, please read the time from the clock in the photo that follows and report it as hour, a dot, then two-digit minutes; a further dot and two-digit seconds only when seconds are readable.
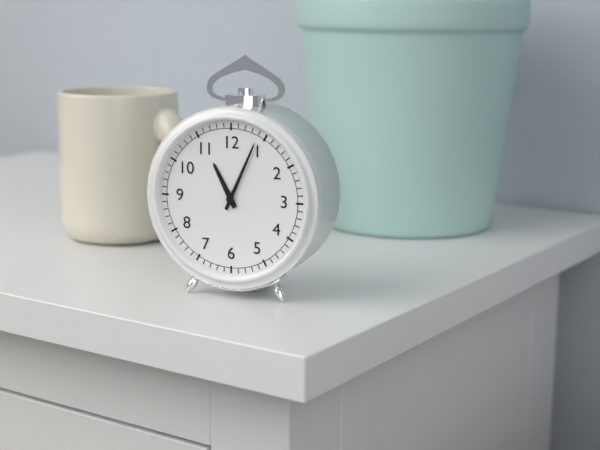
11.04
